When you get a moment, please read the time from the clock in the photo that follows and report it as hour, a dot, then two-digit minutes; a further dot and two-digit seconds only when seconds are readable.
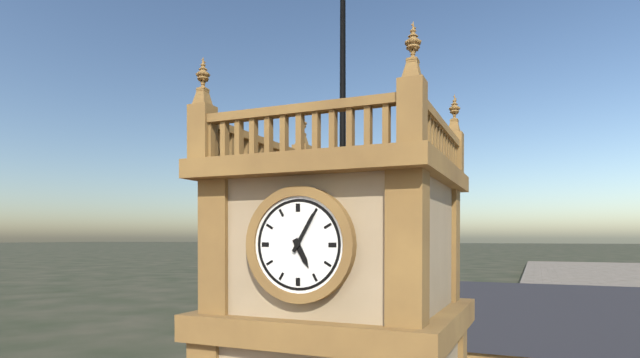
5.05
